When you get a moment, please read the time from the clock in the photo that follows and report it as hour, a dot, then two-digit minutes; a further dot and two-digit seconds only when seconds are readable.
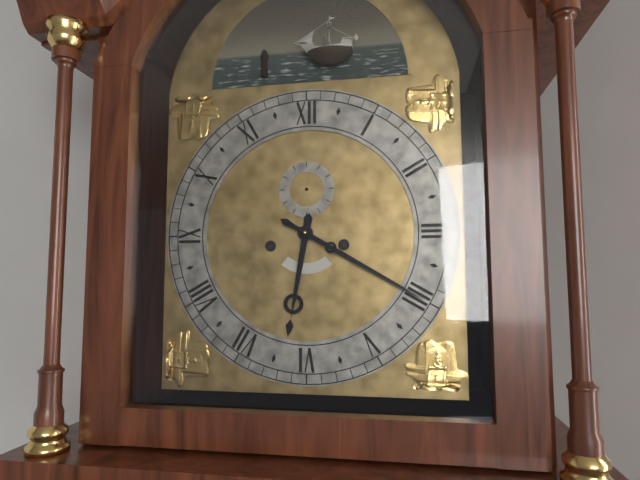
6.20
